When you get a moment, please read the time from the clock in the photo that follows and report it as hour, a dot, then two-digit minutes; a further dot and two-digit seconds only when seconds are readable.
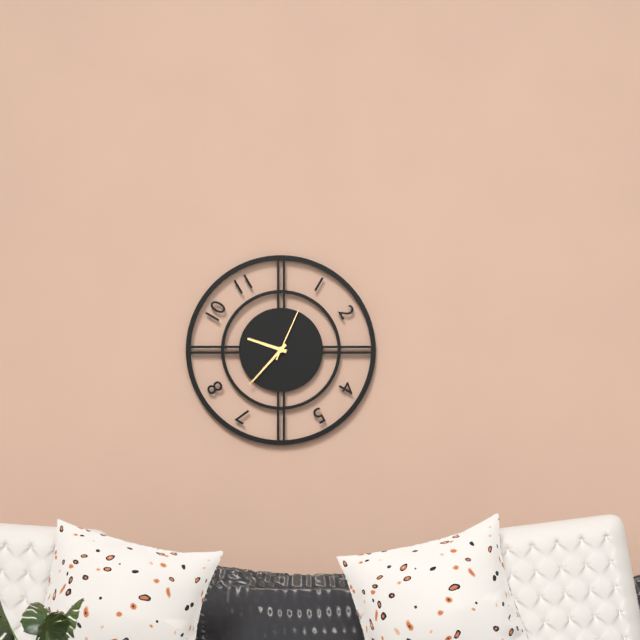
9.37.04
